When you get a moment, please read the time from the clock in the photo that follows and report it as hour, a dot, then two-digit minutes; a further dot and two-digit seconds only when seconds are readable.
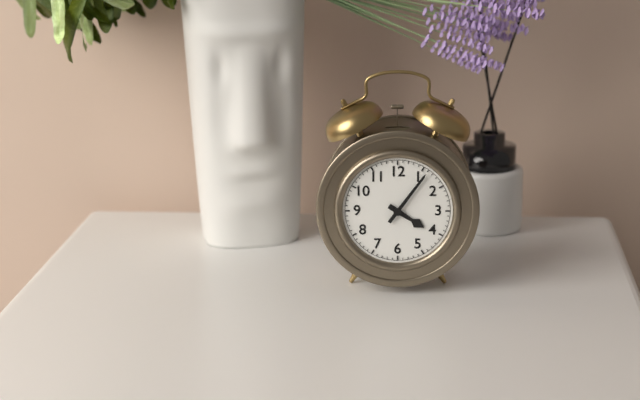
4.06
